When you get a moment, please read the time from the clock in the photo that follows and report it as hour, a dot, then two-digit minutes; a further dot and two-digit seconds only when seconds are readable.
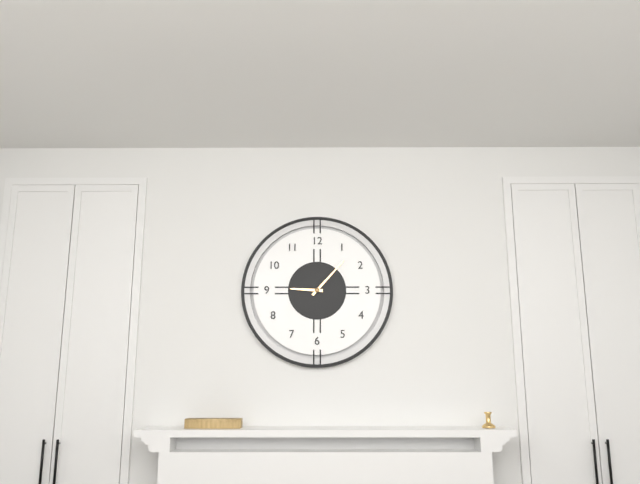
9.07
